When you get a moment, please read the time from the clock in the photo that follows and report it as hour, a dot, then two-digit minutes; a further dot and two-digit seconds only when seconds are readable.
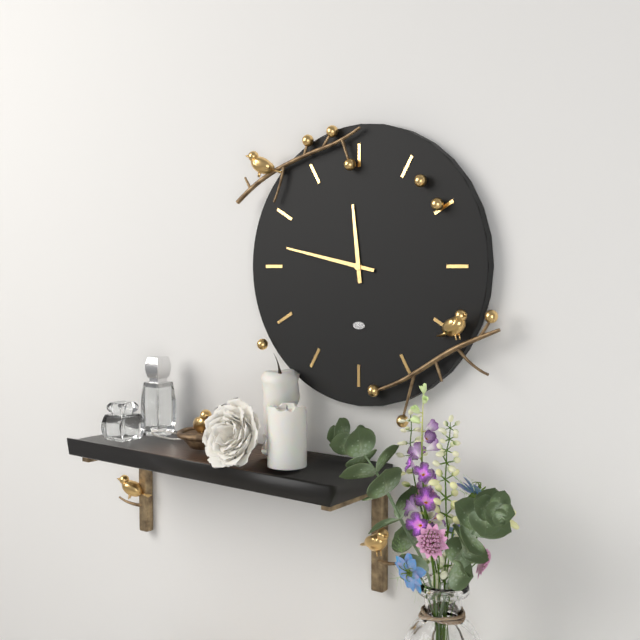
11.47
